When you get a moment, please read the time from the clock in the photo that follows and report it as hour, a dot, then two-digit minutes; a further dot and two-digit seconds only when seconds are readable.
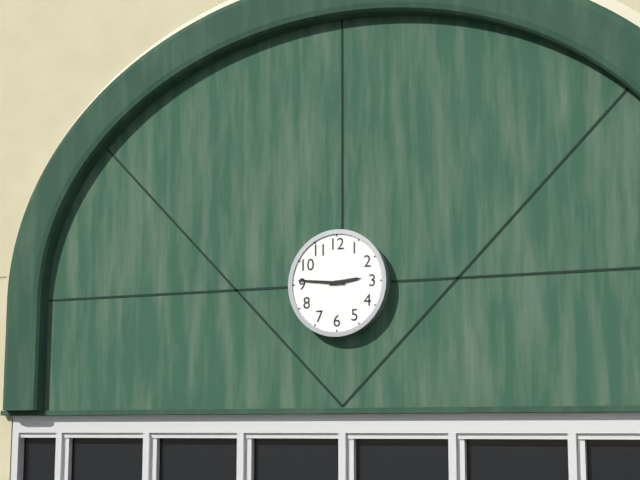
2.46
